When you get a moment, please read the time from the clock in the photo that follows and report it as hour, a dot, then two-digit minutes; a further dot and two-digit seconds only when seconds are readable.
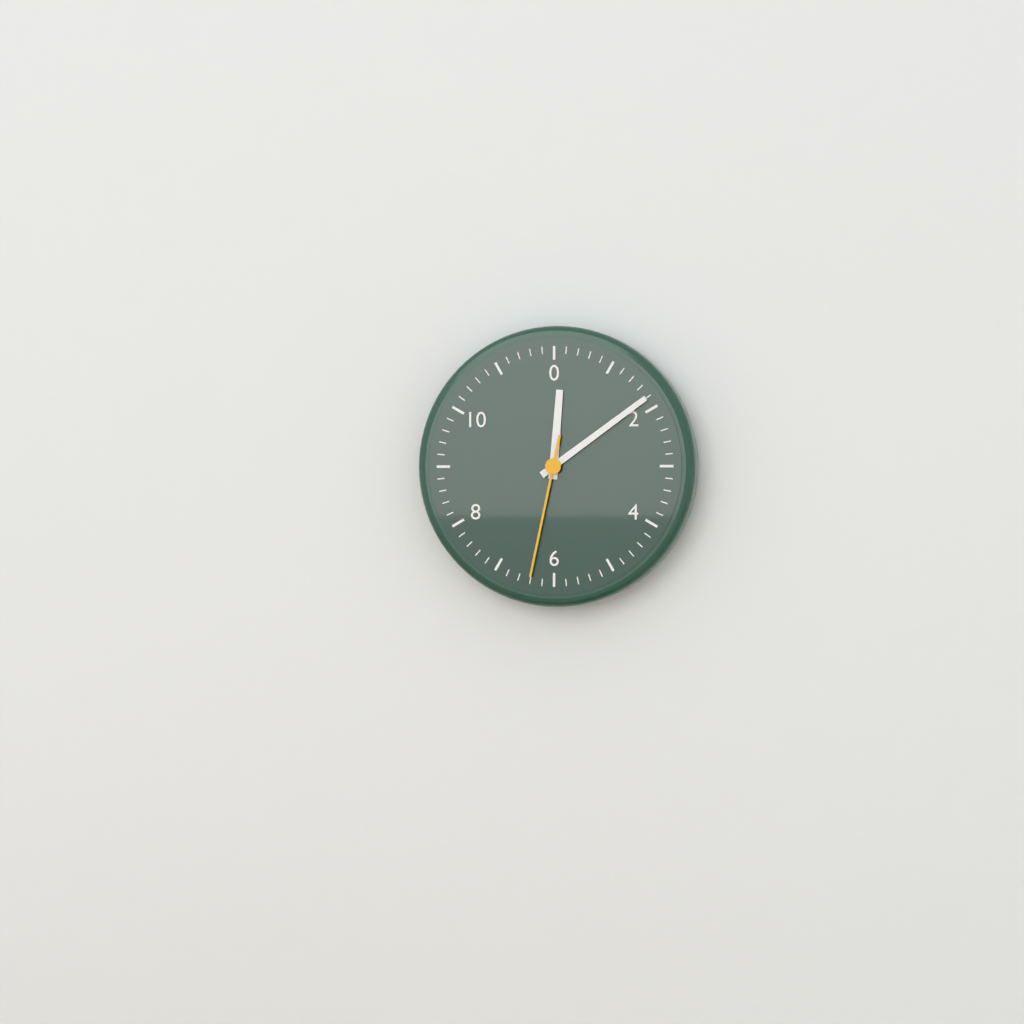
12.09.32
